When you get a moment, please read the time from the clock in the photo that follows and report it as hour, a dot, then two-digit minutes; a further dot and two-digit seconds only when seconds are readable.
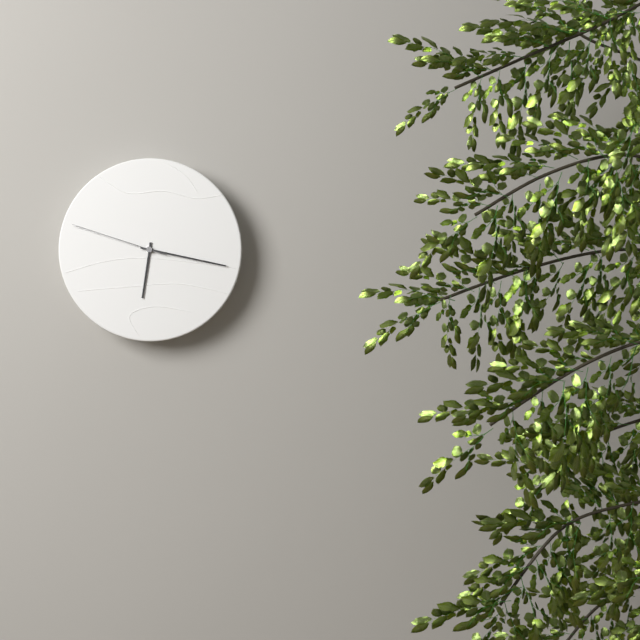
6.17.48
